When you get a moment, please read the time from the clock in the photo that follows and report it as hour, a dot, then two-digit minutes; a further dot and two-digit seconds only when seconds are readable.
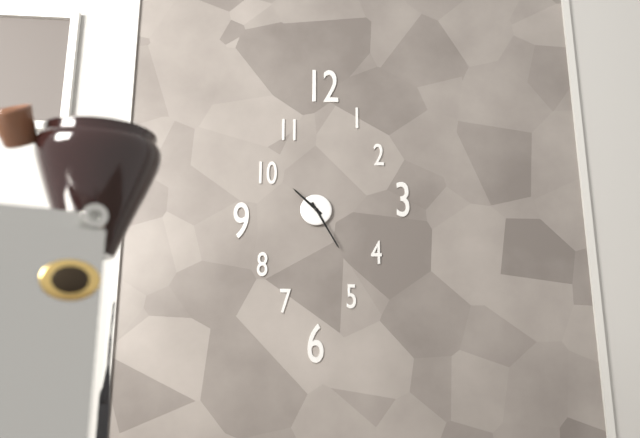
10.25
